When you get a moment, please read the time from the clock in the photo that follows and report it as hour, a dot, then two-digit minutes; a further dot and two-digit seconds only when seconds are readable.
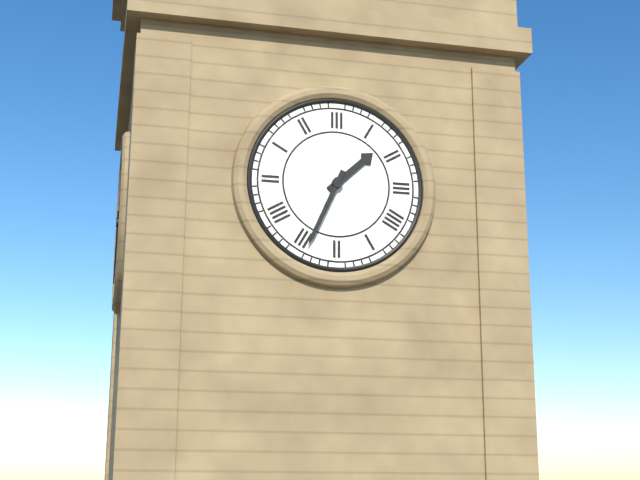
1.34
